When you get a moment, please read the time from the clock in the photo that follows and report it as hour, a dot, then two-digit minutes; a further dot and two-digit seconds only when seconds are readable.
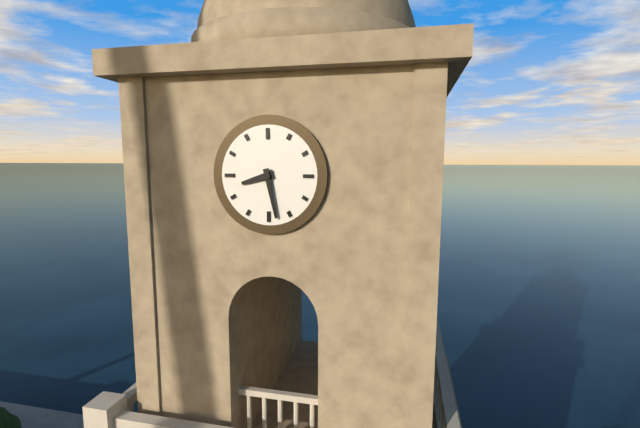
8.28
